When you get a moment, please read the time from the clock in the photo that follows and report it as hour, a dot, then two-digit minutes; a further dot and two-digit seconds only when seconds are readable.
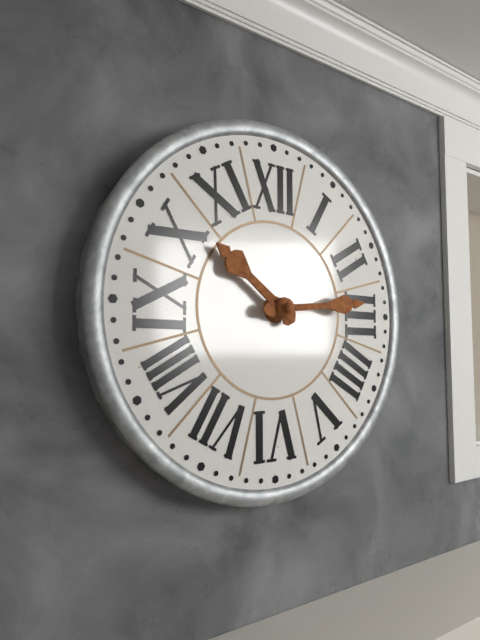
10.14
